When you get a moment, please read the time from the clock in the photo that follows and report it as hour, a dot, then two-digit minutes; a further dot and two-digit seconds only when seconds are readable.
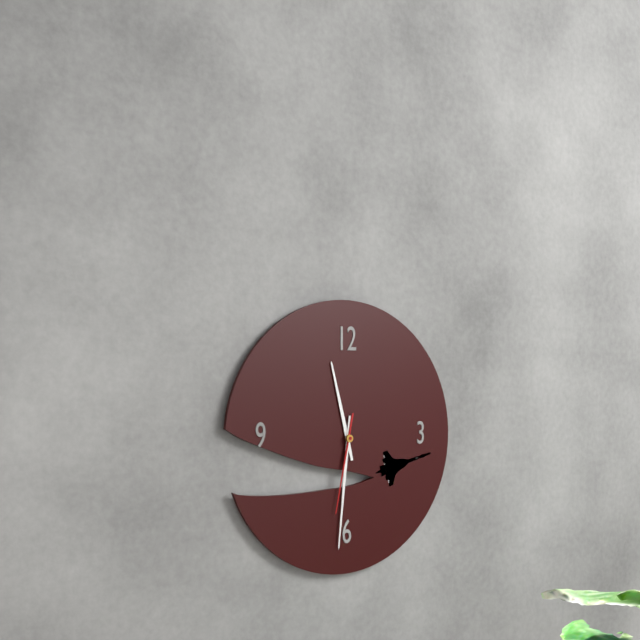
11.31.32
